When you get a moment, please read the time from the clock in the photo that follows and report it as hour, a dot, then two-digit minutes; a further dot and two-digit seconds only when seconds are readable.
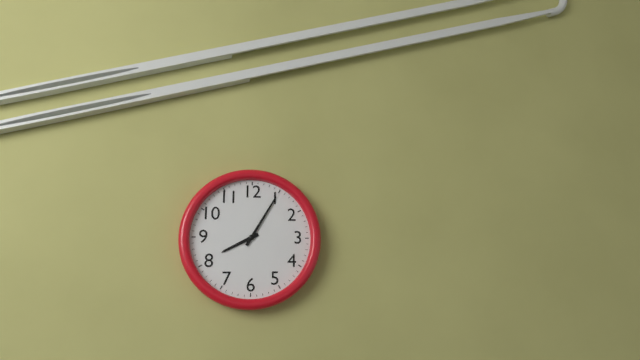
8.05
